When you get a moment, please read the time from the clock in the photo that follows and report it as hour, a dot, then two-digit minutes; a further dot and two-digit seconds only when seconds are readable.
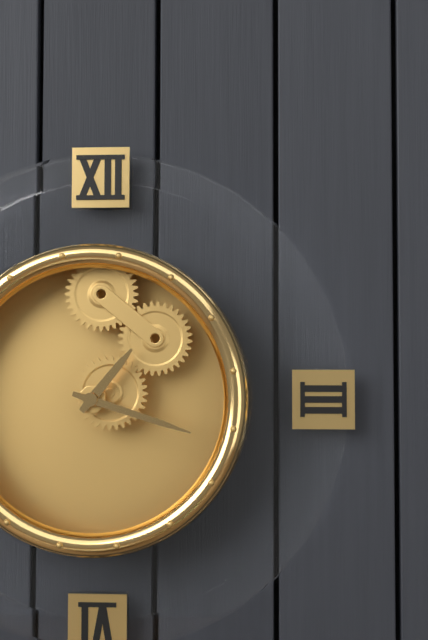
1.18
